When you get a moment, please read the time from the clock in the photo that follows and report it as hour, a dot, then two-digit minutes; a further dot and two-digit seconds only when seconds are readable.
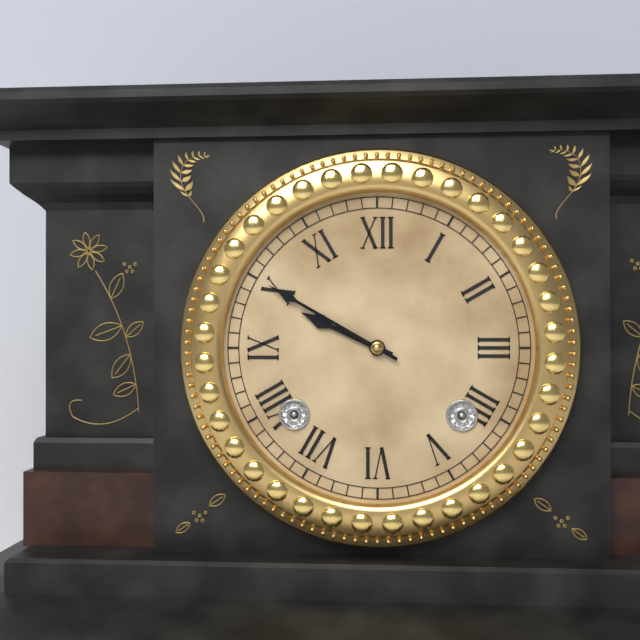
9.50
